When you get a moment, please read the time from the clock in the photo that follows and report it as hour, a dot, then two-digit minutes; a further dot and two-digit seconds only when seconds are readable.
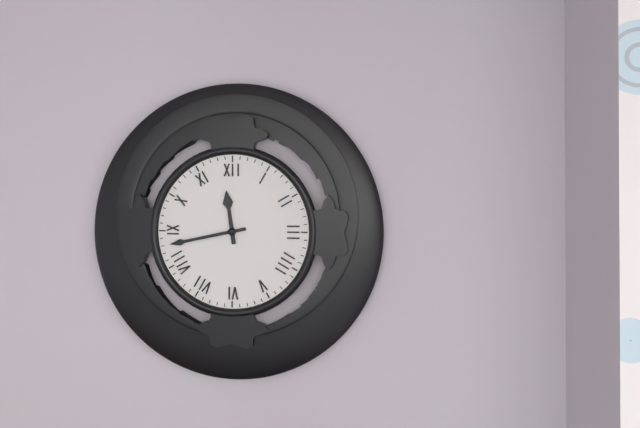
11.43
